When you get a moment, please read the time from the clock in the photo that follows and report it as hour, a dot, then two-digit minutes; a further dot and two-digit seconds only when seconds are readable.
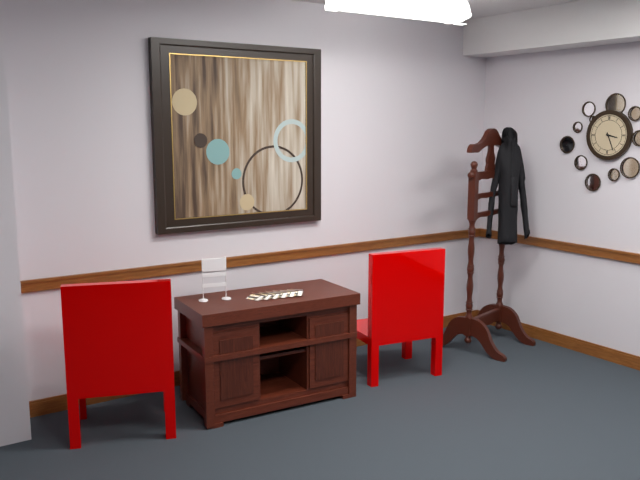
3.26
